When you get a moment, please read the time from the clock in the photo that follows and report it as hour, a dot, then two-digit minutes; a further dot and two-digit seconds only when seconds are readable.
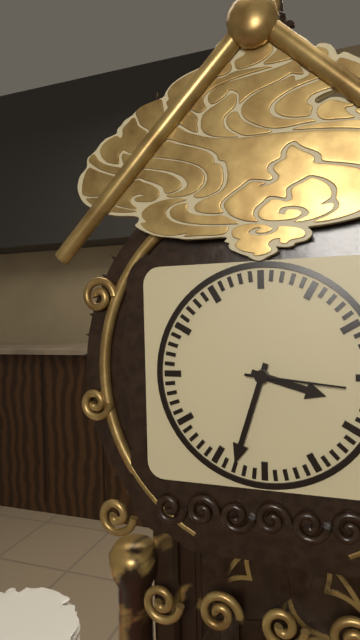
3.33.16
